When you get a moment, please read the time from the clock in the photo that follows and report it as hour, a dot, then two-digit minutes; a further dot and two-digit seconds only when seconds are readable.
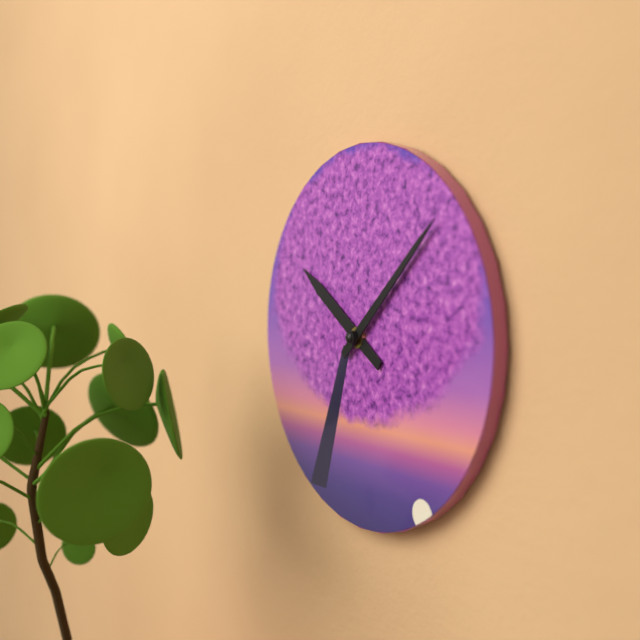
10.08
